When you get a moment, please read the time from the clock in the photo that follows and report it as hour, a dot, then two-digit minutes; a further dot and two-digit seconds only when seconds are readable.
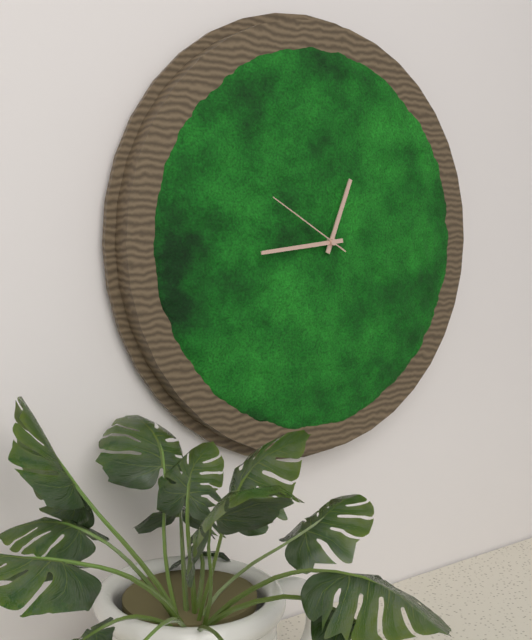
12.44.50
